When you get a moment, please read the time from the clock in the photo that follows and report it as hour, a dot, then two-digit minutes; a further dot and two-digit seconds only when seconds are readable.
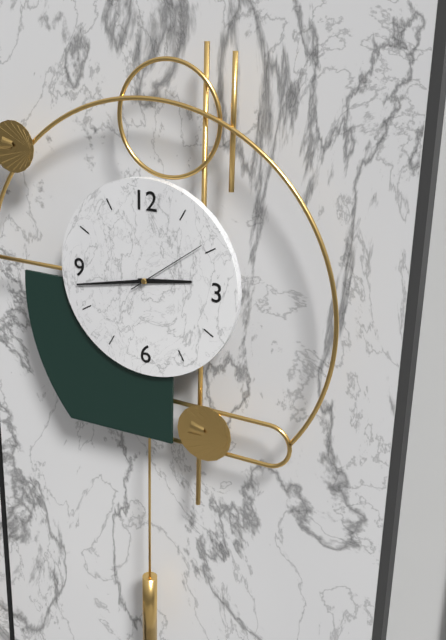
2.43.09
